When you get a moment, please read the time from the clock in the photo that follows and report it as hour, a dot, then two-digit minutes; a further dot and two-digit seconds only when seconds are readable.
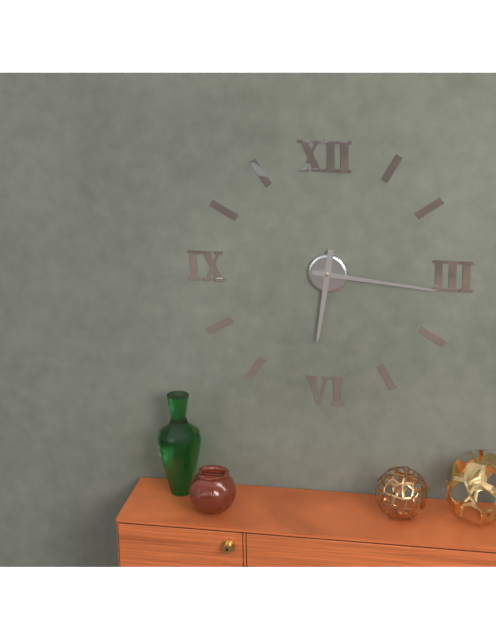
6.16
